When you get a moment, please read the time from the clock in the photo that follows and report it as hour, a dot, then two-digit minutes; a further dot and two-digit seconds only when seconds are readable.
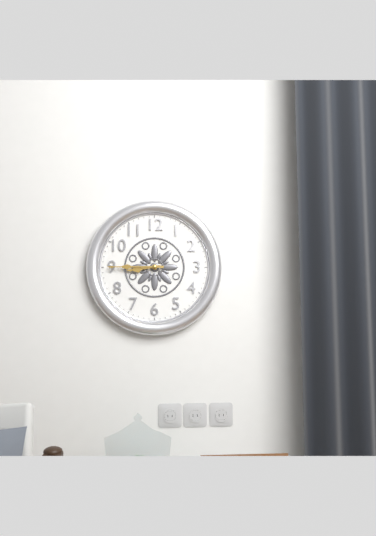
8.45
